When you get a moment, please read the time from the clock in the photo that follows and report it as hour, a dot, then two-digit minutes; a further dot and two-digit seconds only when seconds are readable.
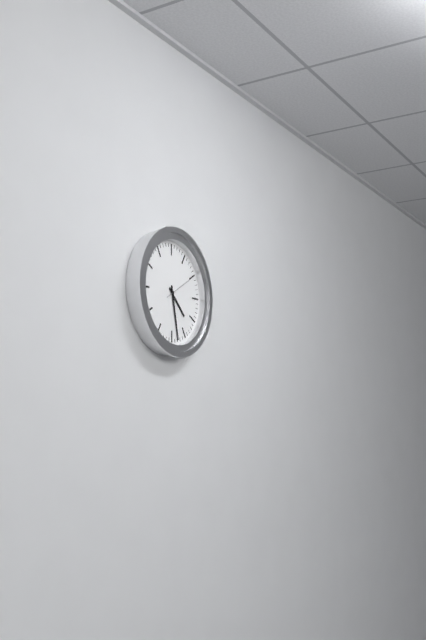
4.28
